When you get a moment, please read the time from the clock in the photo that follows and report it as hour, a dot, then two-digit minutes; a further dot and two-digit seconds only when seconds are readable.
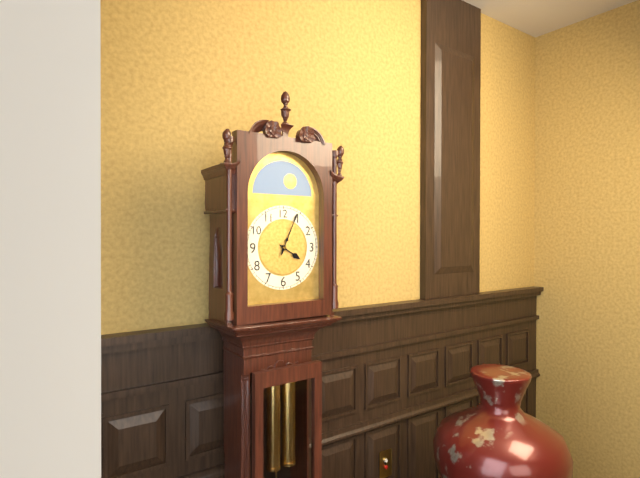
4.04
